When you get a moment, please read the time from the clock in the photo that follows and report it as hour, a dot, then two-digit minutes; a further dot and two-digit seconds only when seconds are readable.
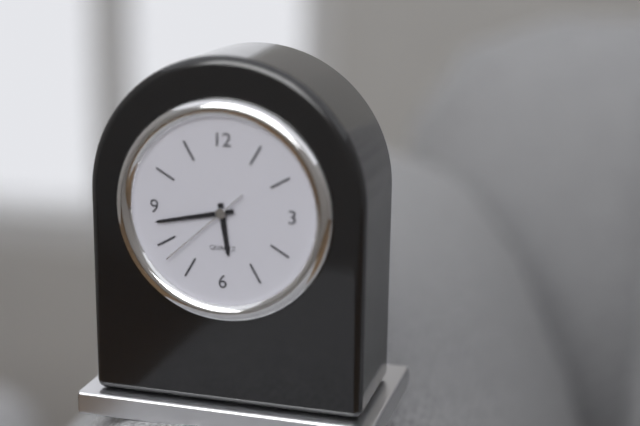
5.43.38
